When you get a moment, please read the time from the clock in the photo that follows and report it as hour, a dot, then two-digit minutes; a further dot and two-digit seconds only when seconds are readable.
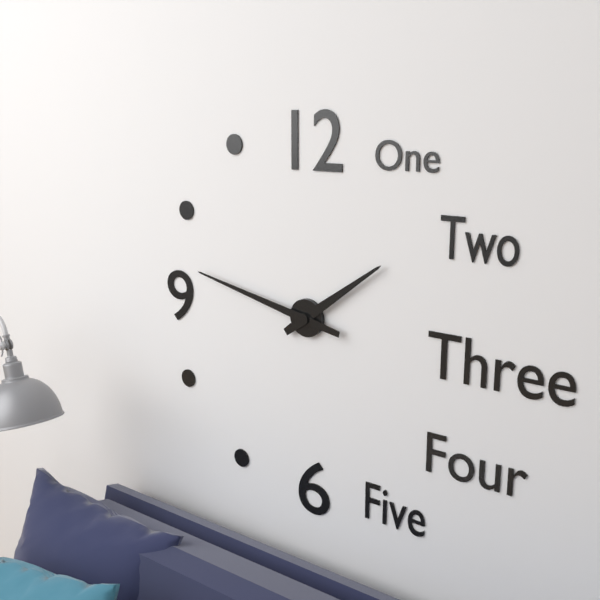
1.47
